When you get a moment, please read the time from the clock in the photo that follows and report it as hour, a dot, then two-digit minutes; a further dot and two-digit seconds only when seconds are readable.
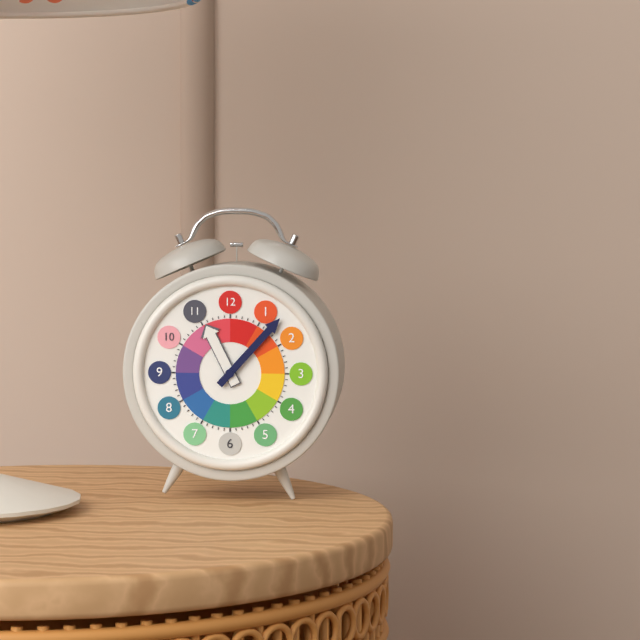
11.07
